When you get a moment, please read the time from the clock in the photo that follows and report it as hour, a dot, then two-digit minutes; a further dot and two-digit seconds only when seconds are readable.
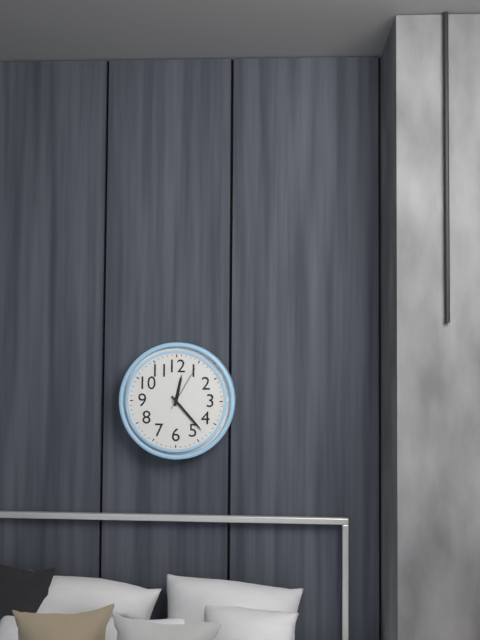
12.23.05
